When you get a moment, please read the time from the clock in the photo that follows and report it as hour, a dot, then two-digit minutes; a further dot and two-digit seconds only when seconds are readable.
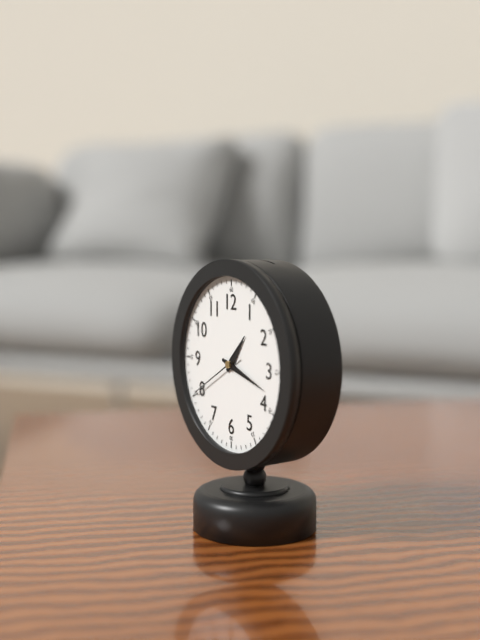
1.18.40
